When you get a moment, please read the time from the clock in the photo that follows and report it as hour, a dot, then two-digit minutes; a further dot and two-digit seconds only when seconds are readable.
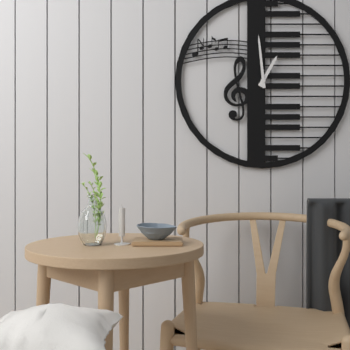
12.59
